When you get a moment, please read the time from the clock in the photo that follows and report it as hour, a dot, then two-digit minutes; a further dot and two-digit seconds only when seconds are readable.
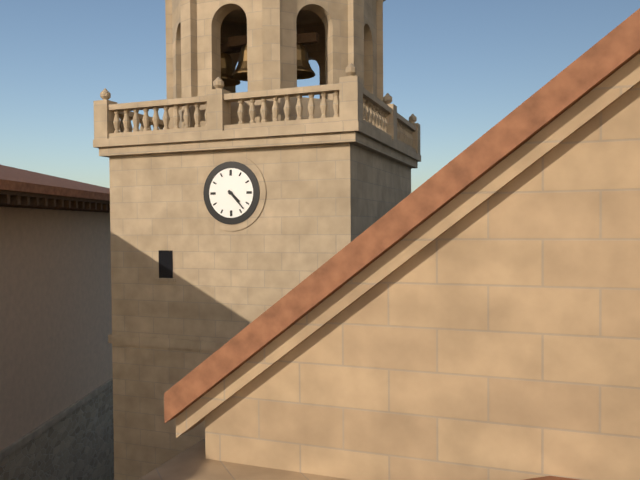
4.23
